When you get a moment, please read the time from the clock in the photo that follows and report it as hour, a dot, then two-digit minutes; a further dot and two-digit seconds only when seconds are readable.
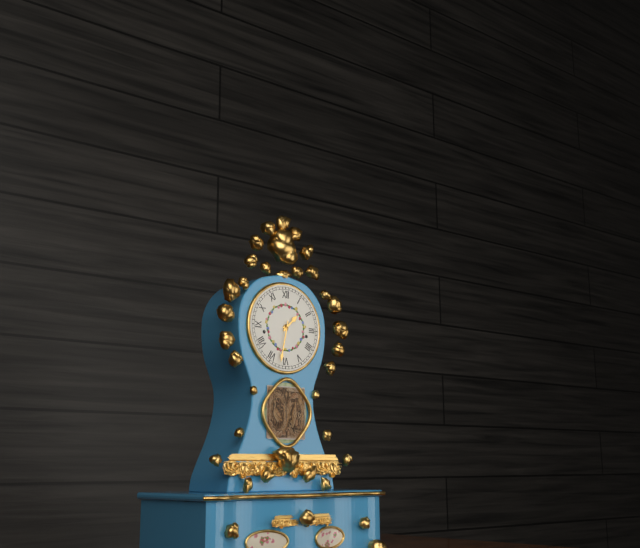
1.32
